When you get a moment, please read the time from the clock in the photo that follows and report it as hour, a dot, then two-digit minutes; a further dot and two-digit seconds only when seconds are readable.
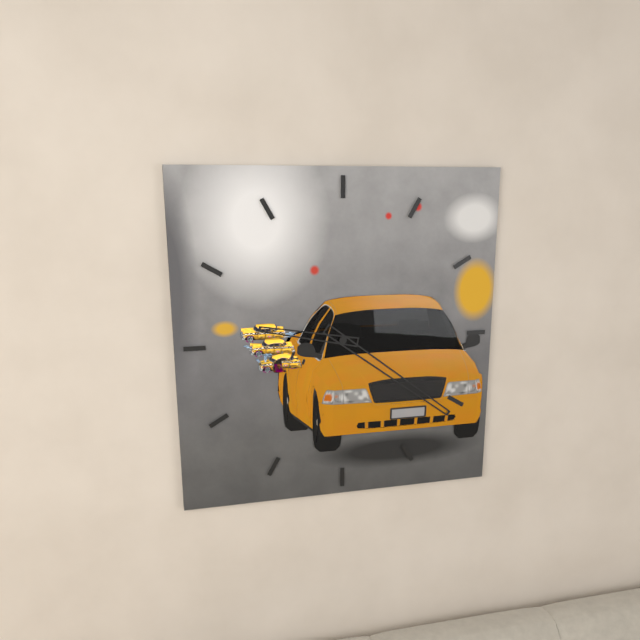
9.21
